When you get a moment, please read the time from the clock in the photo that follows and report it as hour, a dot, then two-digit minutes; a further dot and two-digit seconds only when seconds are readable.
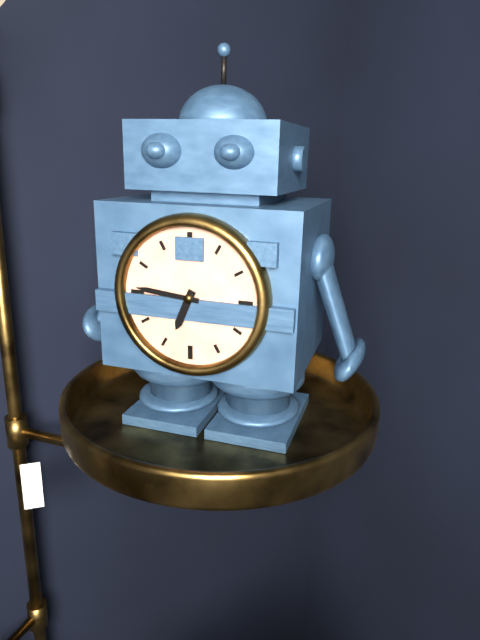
6.46
